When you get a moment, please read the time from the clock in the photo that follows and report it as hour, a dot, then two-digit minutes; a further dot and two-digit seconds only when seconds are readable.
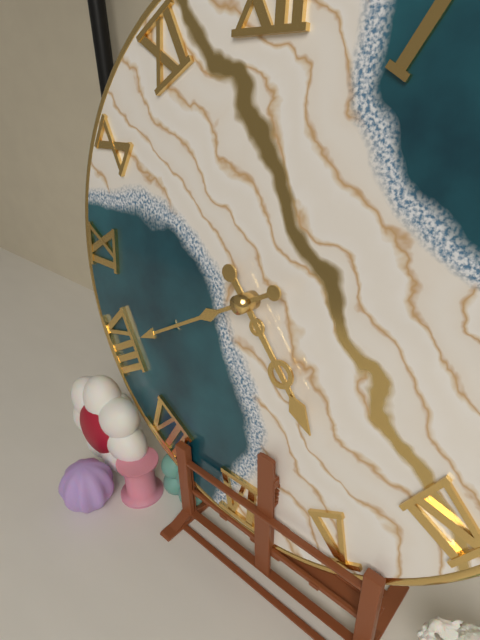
4.40
